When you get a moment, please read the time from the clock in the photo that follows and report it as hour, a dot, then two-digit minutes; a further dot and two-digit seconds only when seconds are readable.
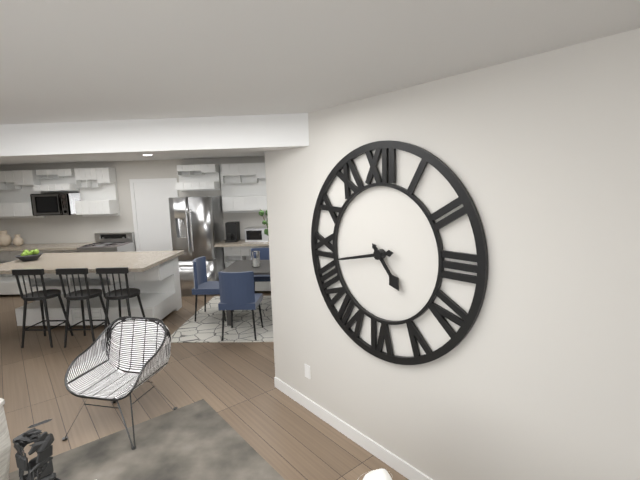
4.43
